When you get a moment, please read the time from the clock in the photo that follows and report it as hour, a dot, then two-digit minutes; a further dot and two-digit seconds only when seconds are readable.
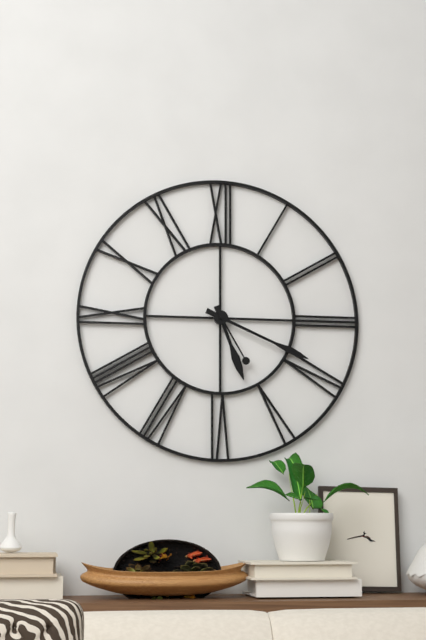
5.19.25
